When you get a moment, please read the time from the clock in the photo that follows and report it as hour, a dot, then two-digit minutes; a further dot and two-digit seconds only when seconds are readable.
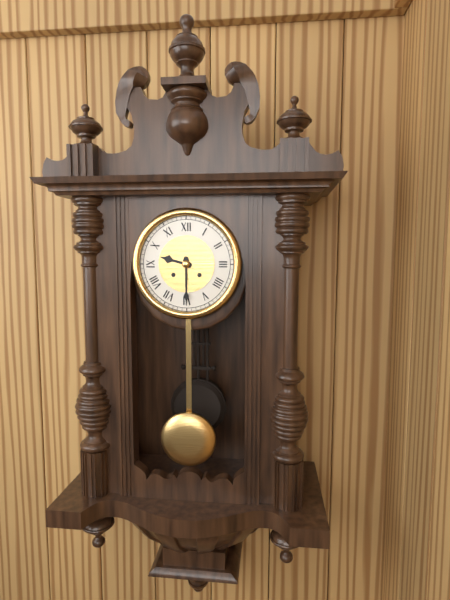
9.30
